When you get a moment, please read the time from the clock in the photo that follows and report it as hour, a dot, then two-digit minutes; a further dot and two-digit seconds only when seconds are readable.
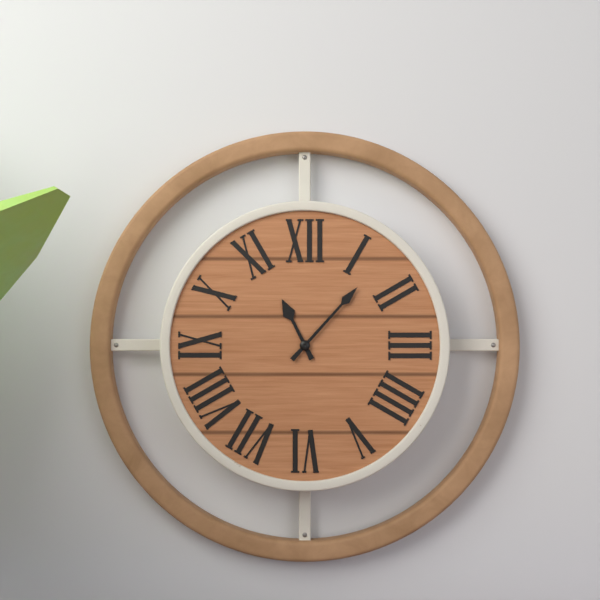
11.07
